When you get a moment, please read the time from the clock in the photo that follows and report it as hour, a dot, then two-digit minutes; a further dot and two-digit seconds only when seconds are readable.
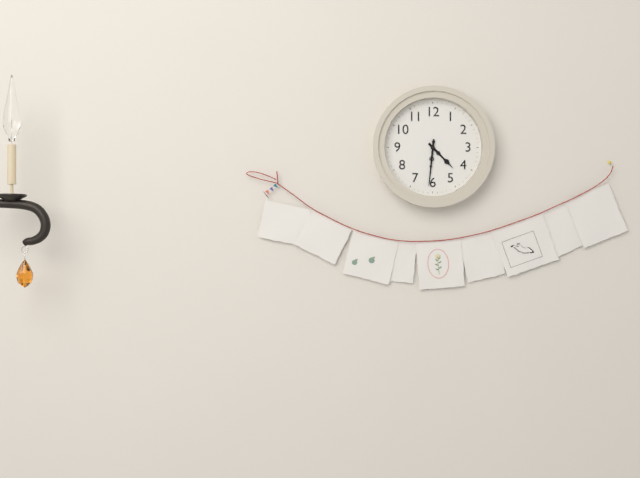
4.31
